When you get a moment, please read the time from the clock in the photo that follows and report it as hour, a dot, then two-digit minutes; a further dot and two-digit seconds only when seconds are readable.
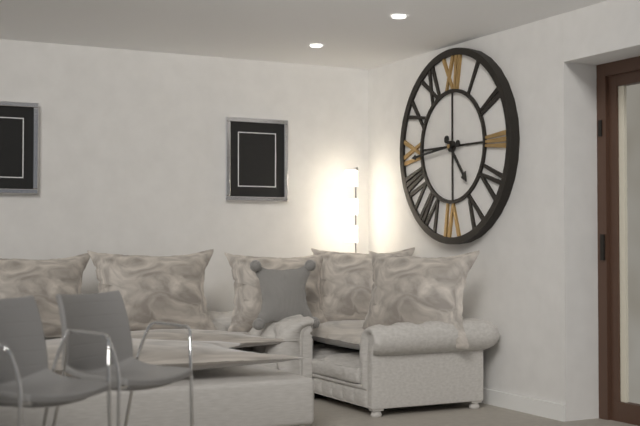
4.44
